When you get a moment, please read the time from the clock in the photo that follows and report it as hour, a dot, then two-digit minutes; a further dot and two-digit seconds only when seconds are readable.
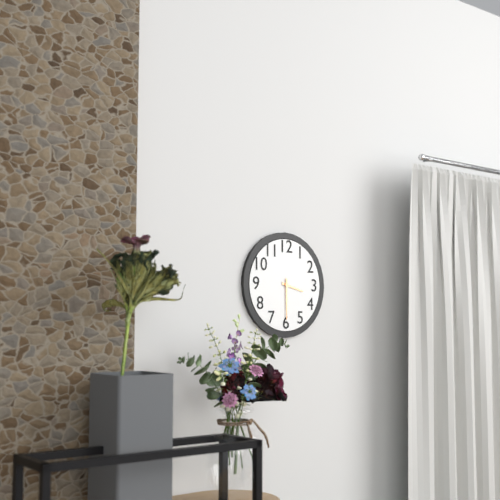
3.30
